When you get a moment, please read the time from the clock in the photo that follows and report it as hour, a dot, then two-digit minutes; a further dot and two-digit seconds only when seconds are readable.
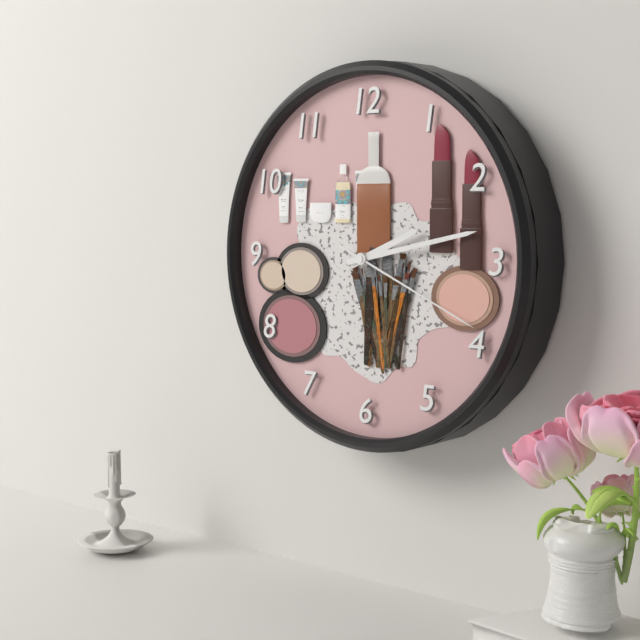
2.13.19
